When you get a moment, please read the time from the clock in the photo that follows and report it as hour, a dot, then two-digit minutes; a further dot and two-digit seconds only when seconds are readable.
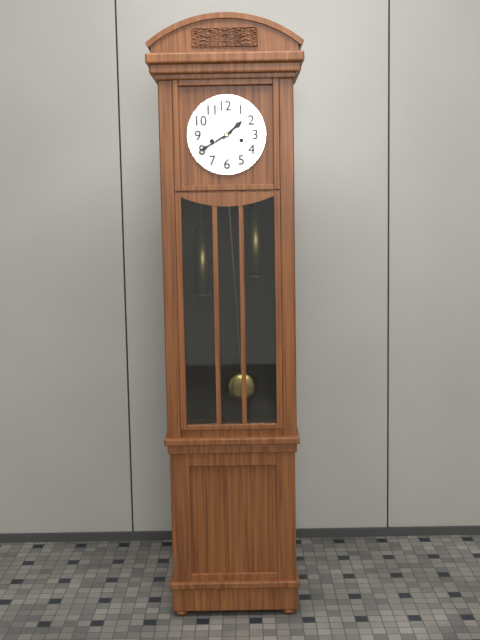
1.40
